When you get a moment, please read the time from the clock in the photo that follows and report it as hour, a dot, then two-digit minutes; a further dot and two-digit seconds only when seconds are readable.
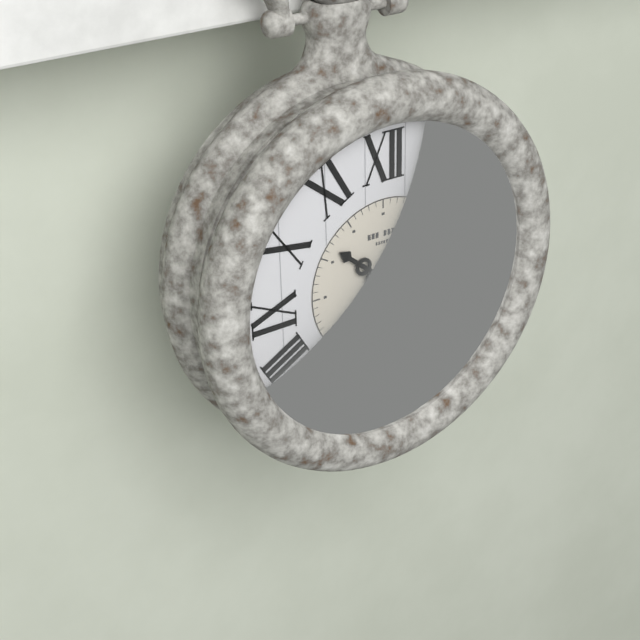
10.19
